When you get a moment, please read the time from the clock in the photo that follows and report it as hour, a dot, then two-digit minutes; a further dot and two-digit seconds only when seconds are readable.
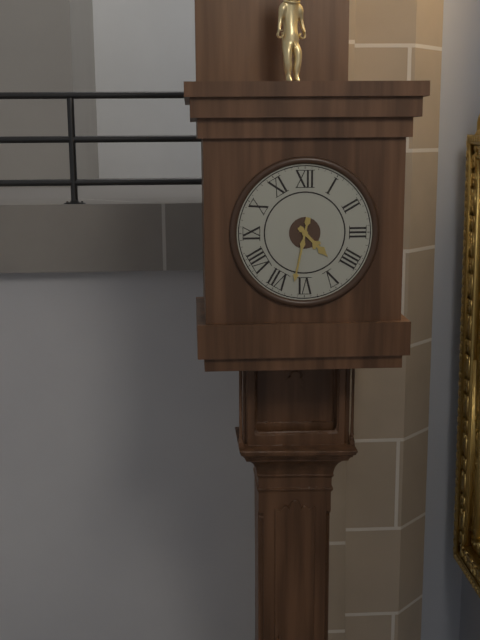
4.32
